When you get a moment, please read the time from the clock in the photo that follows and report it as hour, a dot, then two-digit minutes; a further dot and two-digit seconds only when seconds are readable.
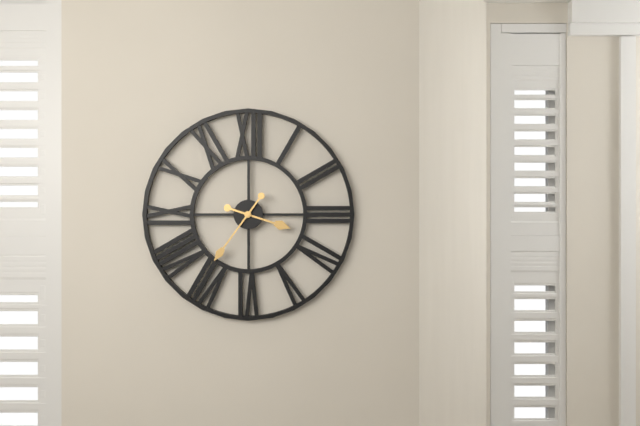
3.36
